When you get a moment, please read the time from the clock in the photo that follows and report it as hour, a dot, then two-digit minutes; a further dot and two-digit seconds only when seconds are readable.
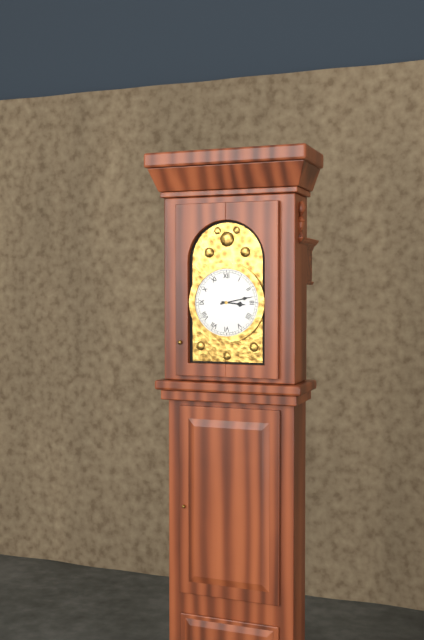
3.13
